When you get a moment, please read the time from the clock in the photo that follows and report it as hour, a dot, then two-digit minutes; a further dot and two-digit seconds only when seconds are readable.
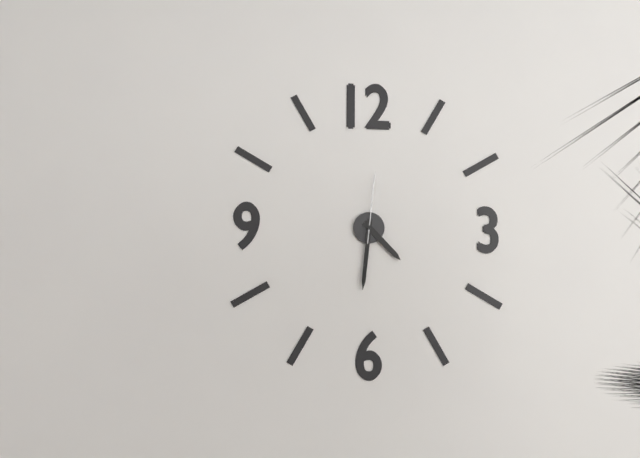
4.31.01
